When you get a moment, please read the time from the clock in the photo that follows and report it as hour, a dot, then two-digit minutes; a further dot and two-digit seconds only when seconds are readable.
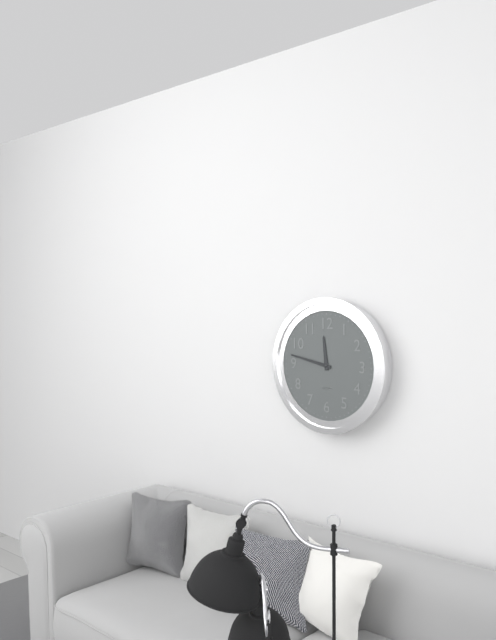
11.47
